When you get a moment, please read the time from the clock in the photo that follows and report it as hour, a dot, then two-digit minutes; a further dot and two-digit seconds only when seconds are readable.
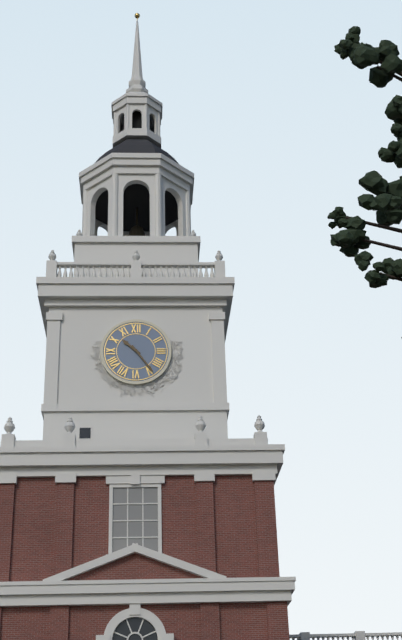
10.24
